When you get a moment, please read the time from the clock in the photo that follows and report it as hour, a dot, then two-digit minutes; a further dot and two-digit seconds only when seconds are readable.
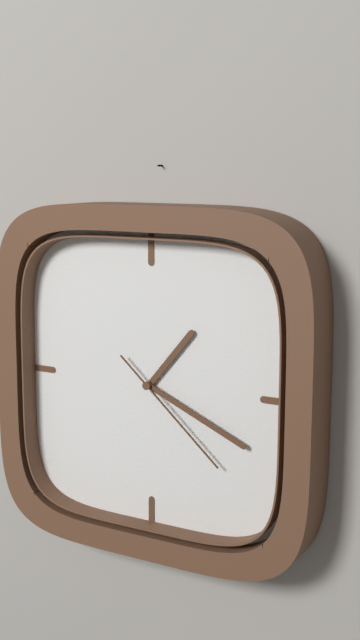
1.19.22
